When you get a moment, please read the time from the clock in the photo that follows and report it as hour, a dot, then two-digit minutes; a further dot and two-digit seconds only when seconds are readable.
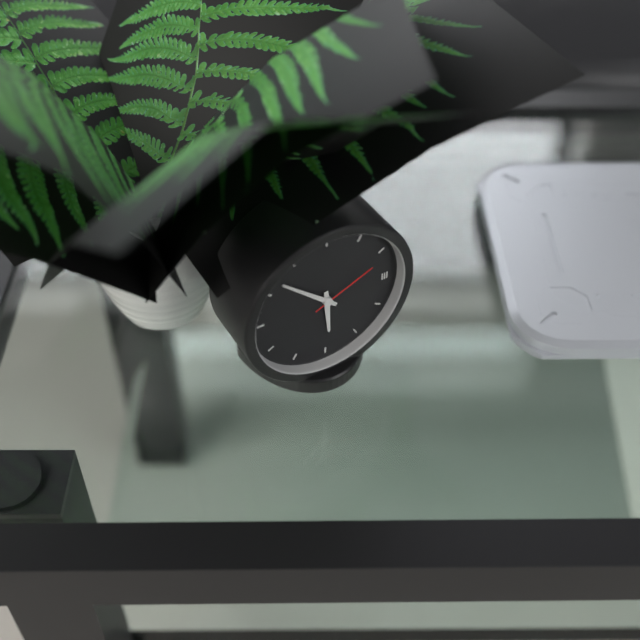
5.52.11
